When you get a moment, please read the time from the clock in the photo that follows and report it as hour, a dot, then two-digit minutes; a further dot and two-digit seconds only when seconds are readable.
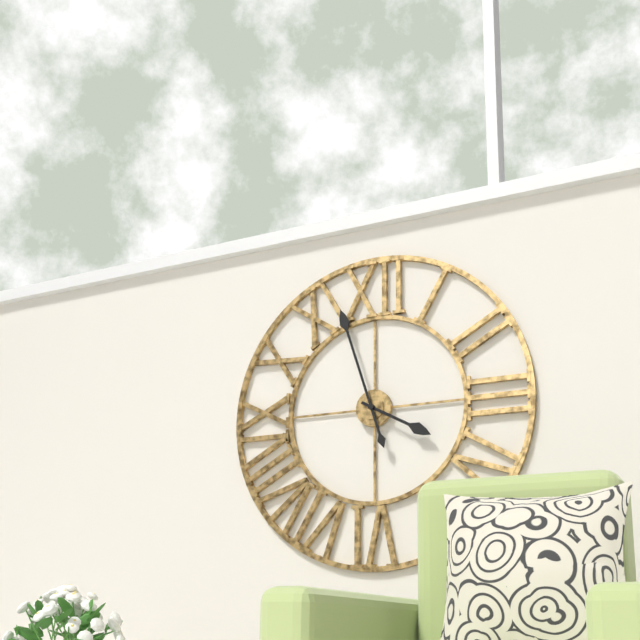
3.57
